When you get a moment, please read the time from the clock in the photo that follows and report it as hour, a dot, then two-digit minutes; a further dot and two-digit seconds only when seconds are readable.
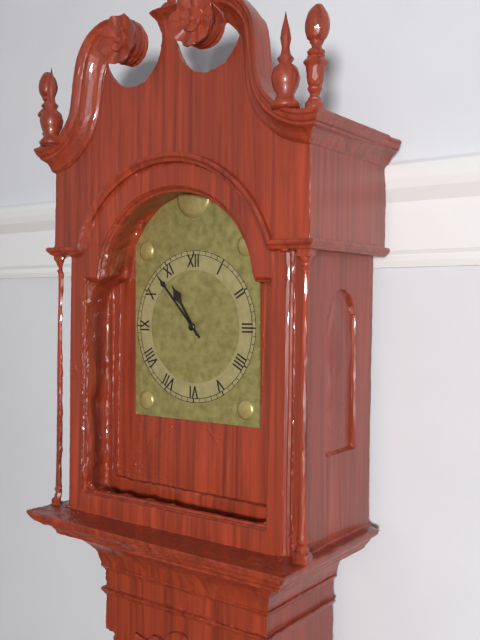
10.53
